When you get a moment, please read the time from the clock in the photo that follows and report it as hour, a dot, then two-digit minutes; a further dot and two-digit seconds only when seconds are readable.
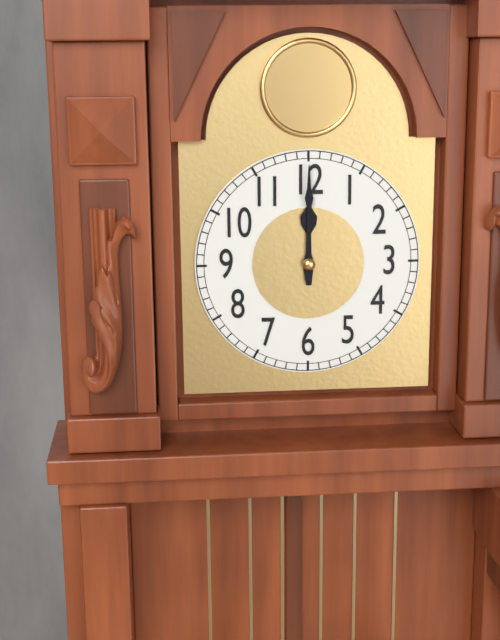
12.00
